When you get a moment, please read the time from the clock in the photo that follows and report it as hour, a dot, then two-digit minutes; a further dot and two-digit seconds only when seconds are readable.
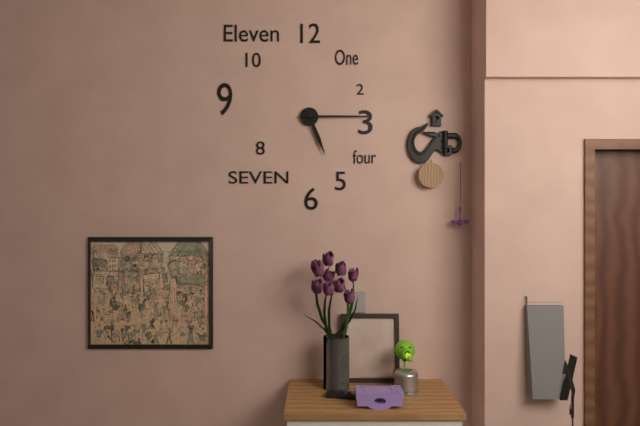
5.15
